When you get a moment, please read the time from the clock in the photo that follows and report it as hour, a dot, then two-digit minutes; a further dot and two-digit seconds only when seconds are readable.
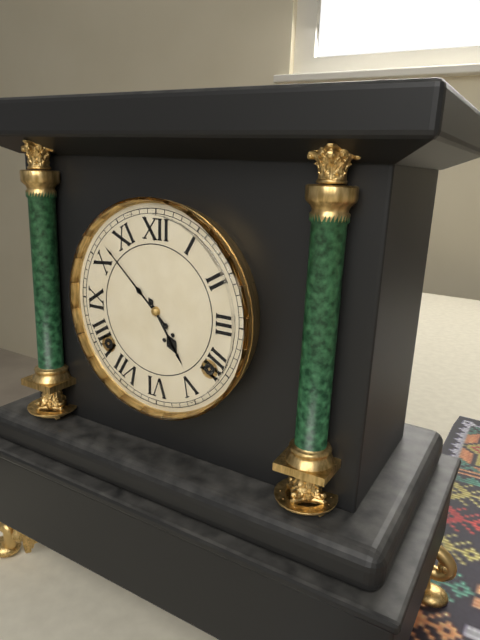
4.52
